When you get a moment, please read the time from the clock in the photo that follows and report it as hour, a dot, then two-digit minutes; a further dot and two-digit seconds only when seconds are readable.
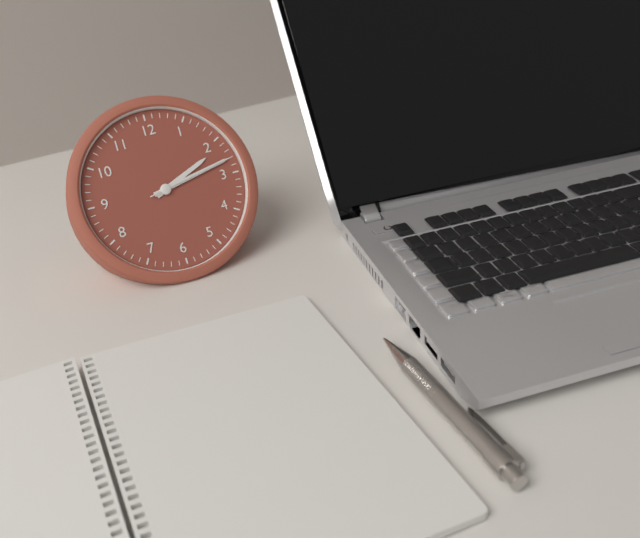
2.13.13
